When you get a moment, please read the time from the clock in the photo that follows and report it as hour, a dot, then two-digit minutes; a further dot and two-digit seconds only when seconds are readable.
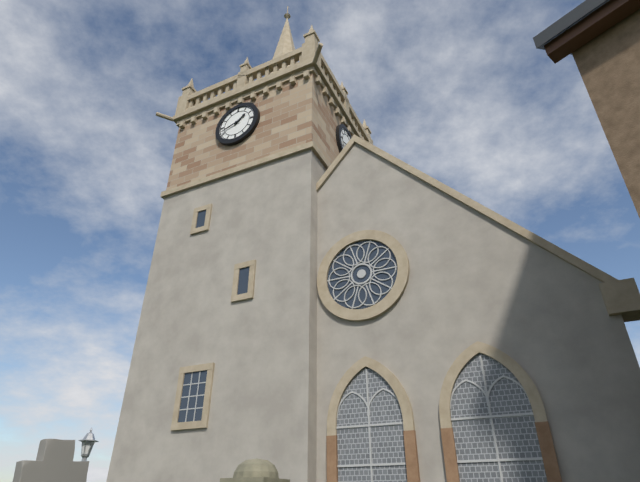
1.42
